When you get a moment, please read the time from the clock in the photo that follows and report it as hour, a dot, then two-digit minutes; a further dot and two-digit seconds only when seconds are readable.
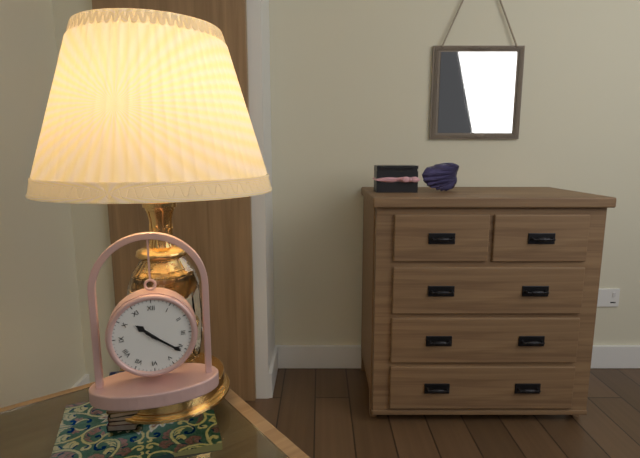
10.21
